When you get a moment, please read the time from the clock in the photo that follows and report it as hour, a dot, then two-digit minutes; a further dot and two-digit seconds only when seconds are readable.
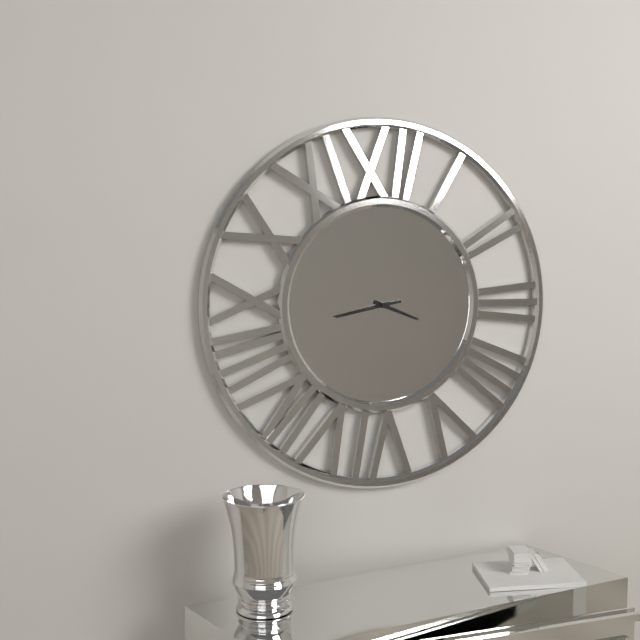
3.43
